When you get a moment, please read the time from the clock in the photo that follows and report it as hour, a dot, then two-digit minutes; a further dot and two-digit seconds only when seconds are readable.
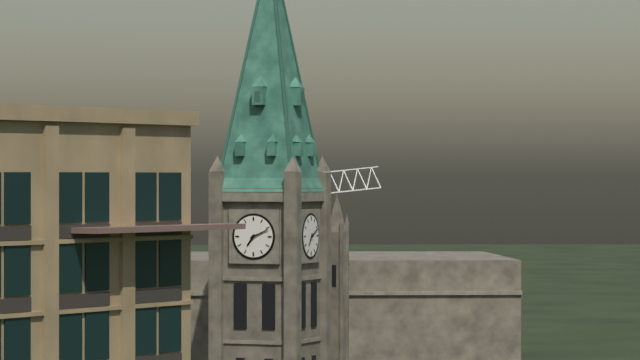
7.11
